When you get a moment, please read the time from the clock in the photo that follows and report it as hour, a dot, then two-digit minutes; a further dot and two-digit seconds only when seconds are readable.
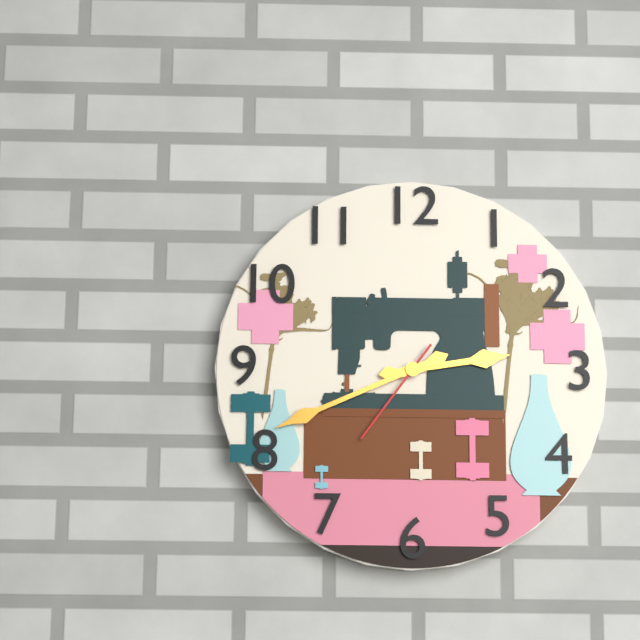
2.41.36
